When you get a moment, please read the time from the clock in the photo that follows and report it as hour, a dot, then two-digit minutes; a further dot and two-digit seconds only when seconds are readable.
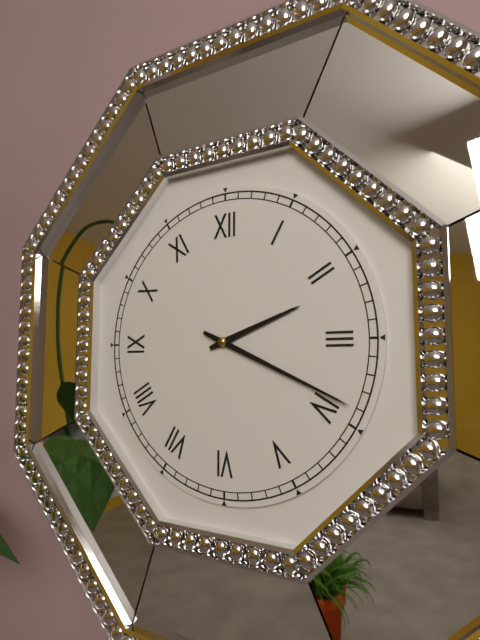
2.19
